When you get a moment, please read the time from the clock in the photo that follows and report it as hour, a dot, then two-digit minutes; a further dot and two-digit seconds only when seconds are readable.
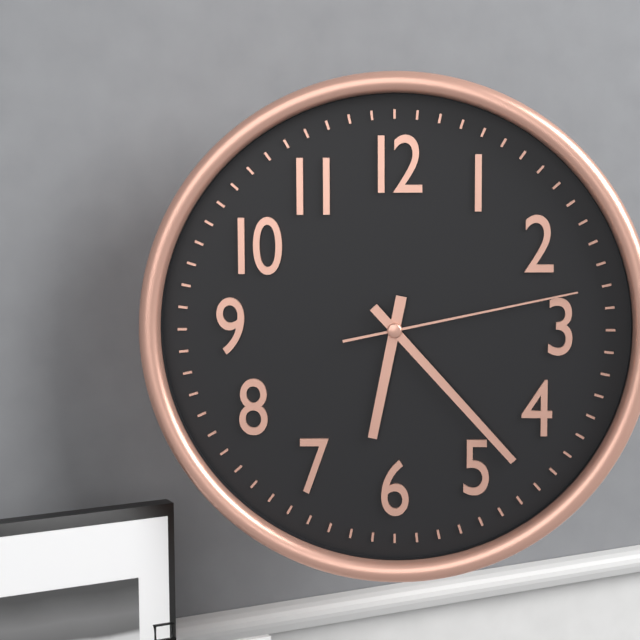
6.23.13
